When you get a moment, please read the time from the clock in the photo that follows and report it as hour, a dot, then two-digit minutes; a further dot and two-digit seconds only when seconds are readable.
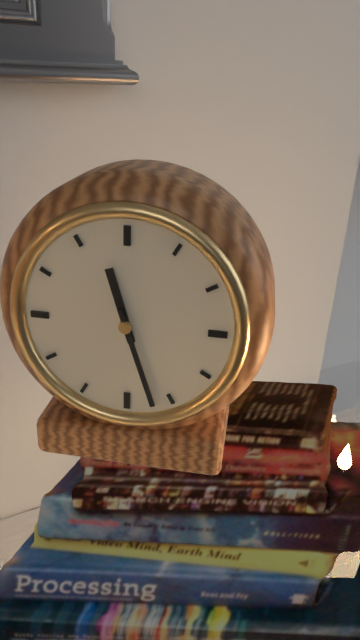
11.27
